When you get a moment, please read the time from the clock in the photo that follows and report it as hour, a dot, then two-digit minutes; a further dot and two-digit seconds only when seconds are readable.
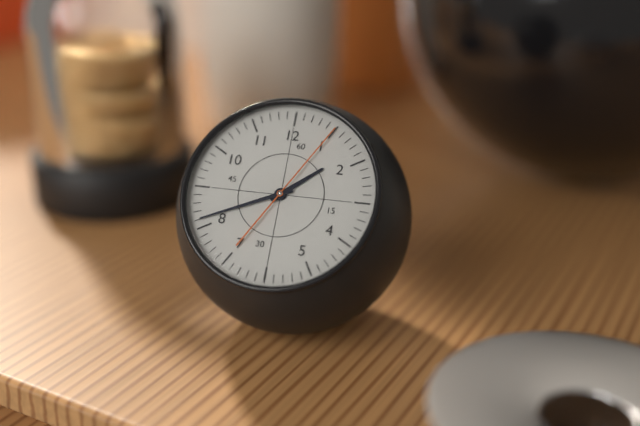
1.41.05
